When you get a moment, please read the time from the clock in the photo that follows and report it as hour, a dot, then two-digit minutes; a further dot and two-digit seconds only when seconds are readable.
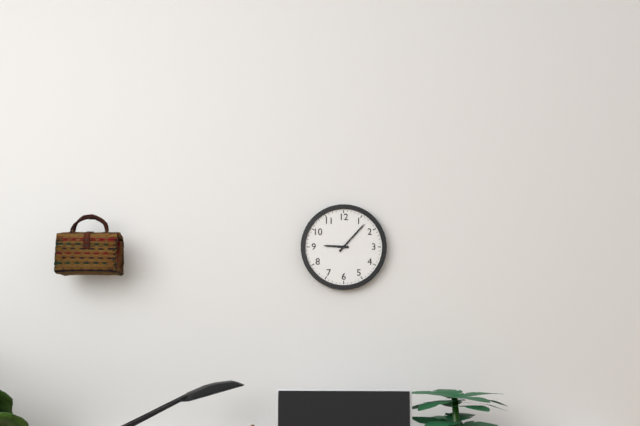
9.07
